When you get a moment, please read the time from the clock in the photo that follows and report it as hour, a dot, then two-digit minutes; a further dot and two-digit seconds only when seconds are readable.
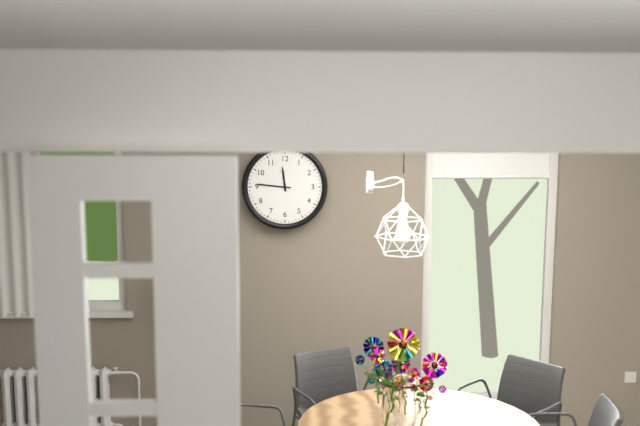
11.46
